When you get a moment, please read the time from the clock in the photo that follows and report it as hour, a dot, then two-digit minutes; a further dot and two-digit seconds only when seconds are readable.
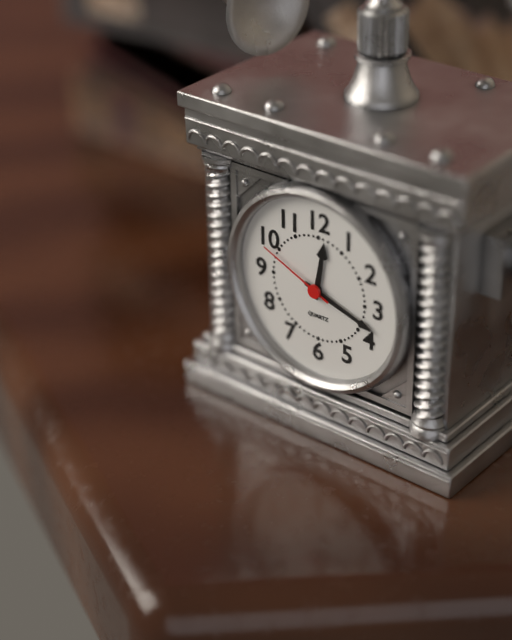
12.18.49
